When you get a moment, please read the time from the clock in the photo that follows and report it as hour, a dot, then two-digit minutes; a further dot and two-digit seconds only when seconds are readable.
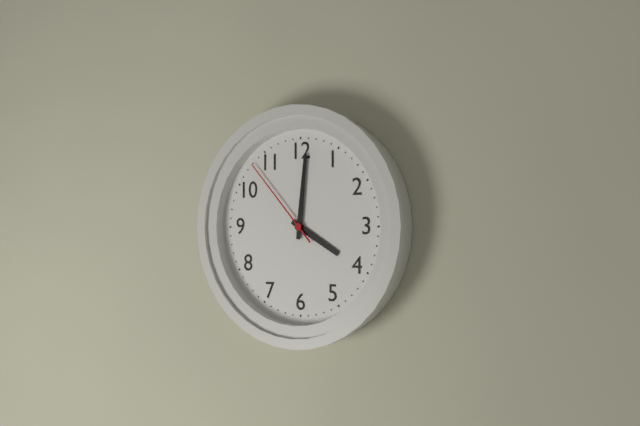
4.01.53
